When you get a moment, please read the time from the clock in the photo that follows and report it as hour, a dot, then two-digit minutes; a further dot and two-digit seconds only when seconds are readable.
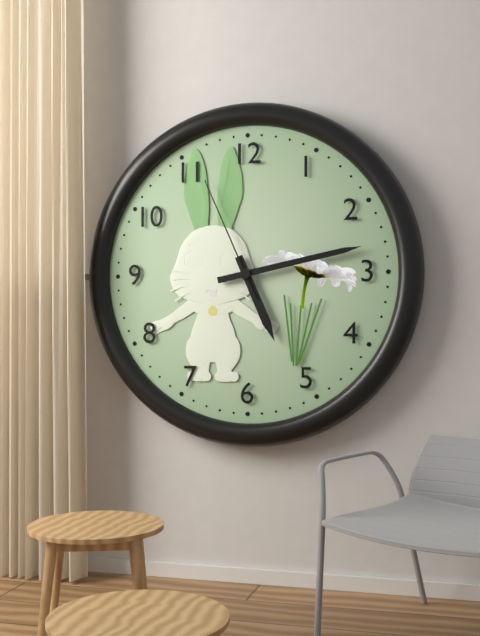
5.13.56
